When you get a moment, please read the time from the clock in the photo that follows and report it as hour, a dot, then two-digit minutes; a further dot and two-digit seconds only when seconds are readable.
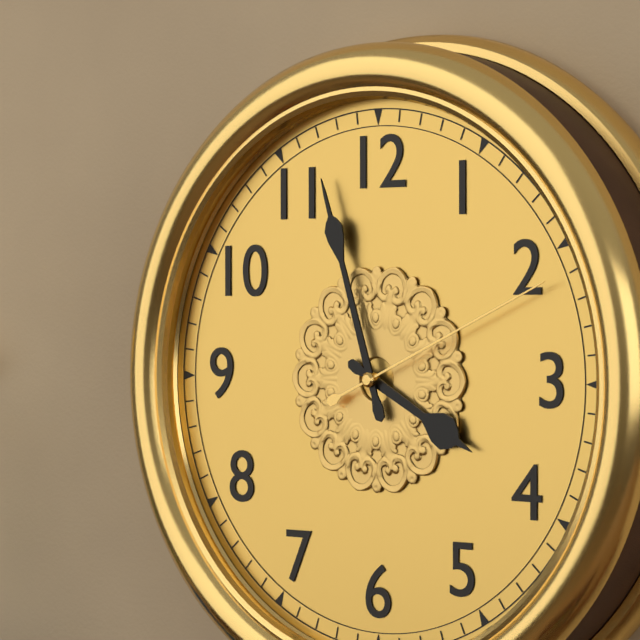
3.57.11
